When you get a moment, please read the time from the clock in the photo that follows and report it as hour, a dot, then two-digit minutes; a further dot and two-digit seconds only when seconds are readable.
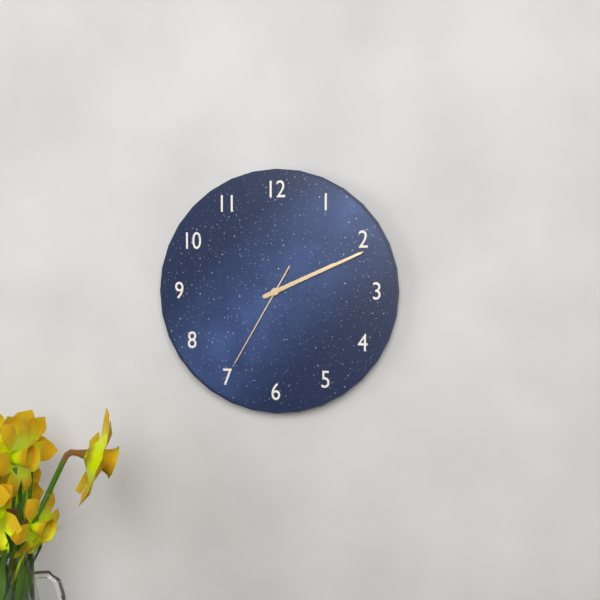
2.11.35
